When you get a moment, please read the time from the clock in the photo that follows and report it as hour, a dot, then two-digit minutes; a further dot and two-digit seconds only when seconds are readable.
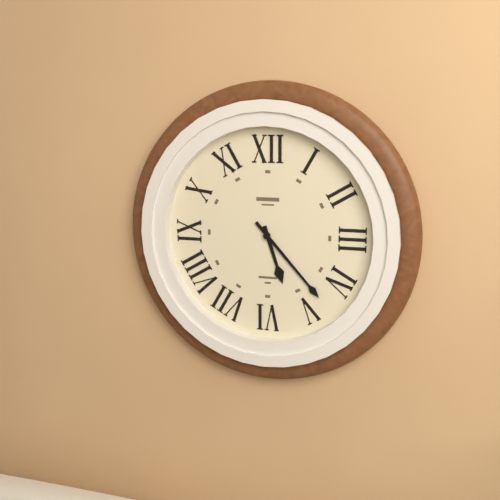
5.23
